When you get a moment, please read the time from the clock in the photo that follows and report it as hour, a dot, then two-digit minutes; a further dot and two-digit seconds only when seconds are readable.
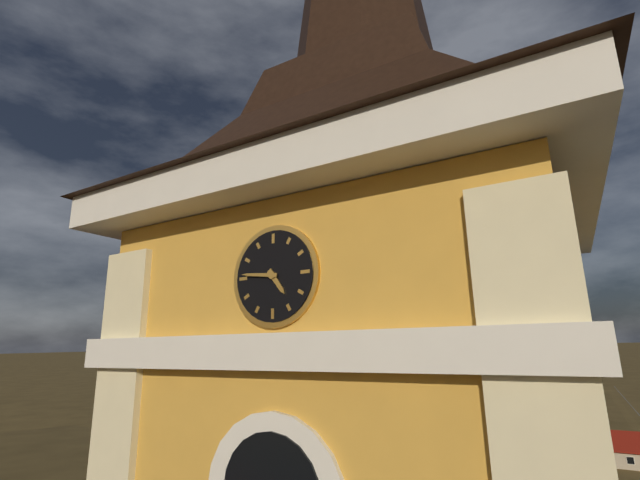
4.46
